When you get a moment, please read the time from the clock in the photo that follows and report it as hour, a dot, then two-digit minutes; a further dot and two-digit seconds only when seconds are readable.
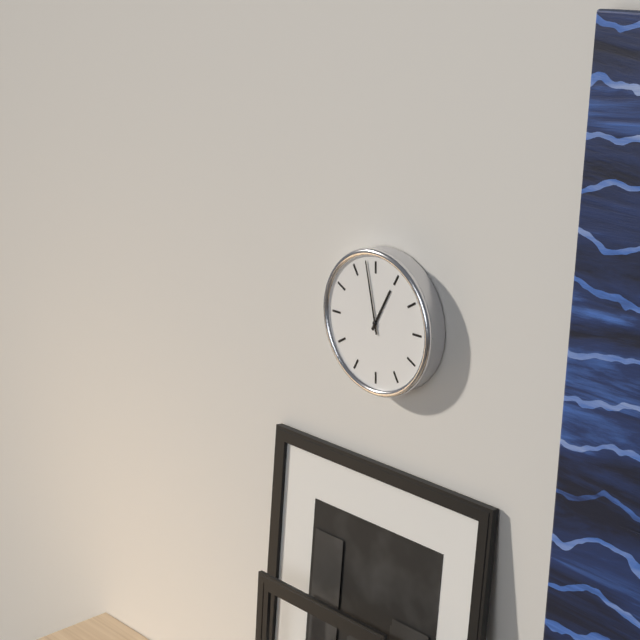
12.58
